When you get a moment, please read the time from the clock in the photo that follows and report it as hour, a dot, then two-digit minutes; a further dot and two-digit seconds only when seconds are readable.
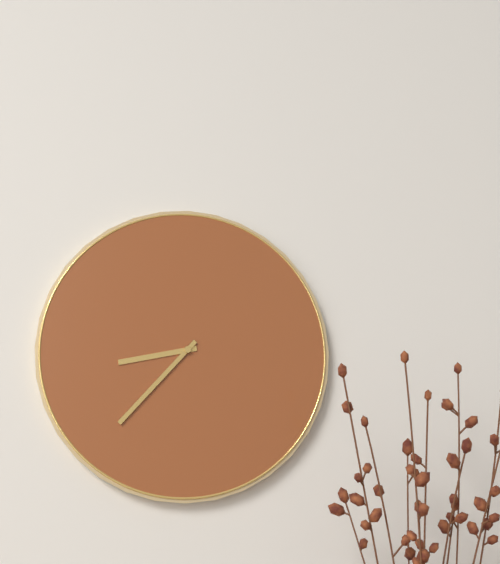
8.37
